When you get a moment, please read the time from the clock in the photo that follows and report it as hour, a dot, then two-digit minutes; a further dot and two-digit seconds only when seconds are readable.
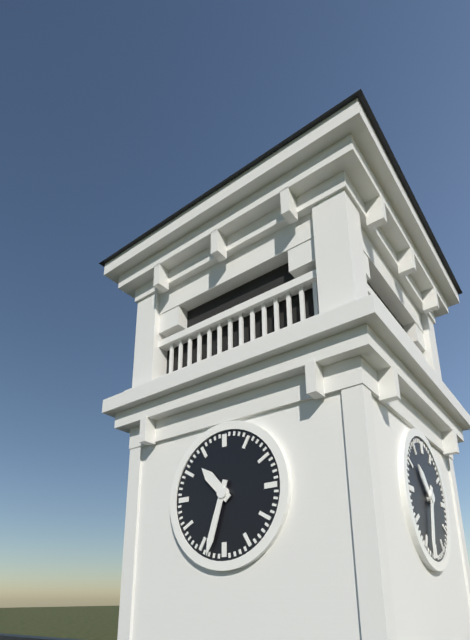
10.33
